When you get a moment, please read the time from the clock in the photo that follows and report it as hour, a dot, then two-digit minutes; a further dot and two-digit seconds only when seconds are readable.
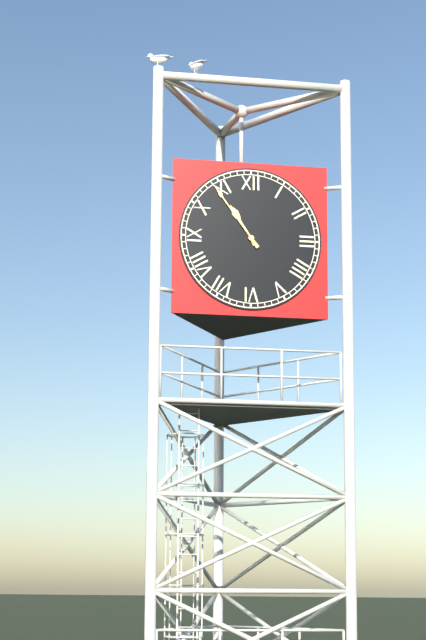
10.54
